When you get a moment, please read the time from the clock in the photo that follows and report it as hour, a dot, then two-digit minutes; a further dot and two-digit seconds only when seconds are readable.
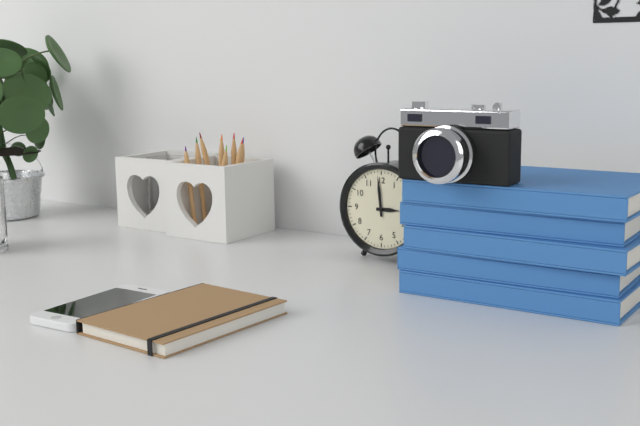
2.59
